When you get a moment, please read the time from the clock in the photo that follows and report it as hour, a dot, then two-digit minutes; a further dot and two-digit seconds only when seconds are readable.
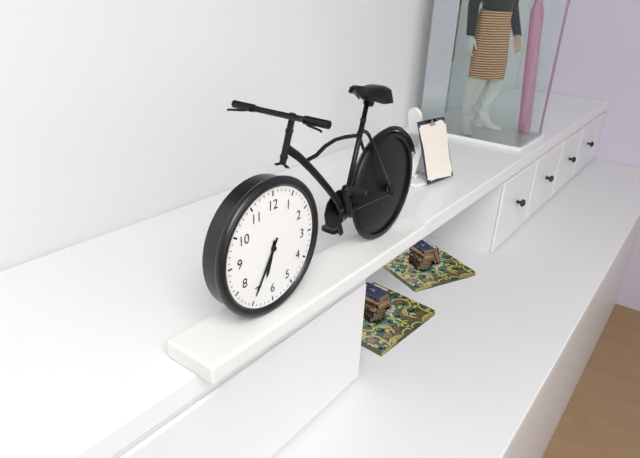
6.35
